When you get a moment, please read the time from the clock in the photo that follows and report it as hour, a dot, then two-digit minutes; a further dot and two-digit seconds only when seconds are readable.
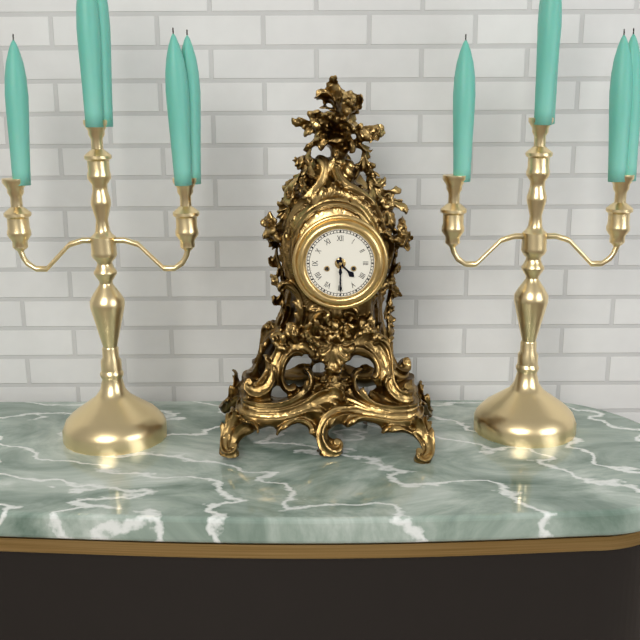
4.30
